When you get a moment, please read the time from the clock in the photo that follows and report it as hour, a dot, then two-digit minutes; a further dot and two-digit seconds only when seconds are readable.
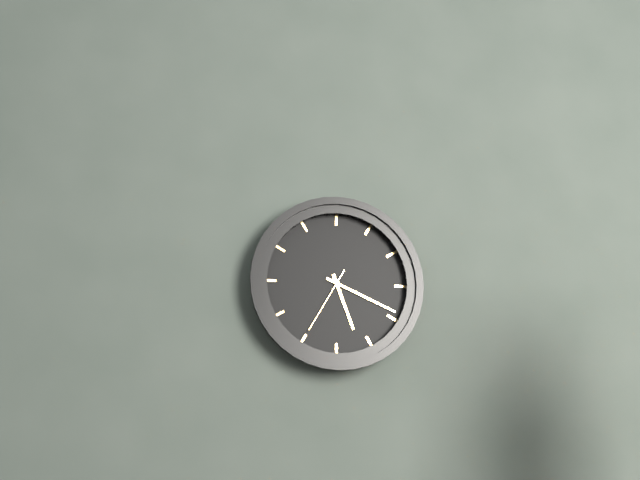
5.19.35
